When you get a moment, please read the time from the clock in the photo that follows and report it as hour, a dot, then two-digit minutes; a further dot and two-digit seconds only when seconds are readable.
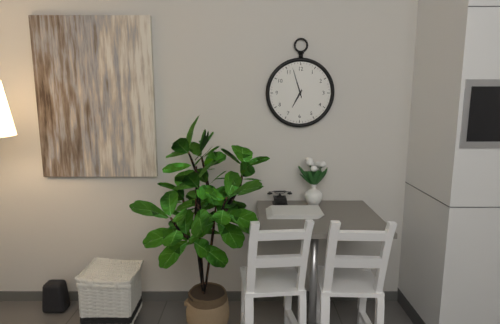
6.57
